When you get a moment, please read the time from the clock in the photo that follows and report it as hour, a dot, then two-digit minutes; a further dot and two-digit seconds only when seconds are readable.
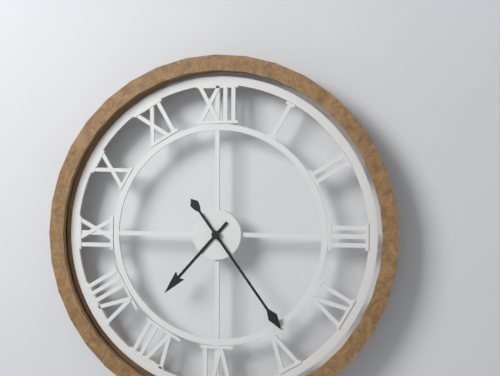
7.24
